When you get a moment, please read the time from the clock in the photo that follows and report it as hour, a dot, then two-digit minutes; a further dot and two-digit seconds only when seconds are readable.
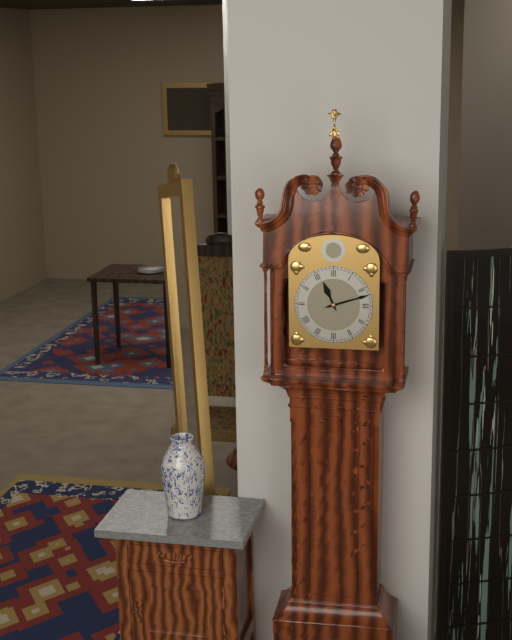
11.12
